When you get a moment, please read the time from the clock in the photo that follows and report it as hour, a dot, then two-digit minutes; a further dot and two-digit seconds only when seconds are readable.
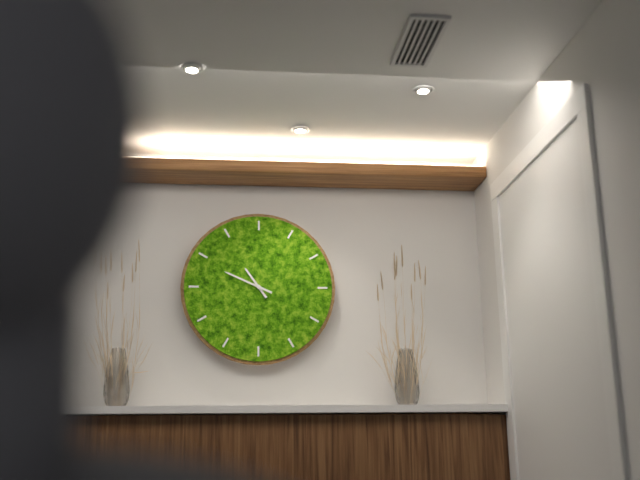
10.49
